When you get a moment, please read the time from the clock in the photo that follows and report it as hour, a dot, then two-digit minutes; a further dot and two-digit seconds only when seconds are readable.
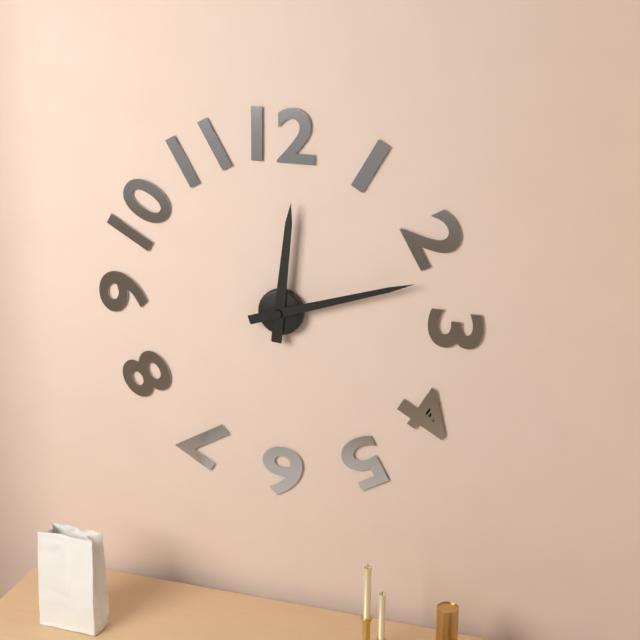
12.12
